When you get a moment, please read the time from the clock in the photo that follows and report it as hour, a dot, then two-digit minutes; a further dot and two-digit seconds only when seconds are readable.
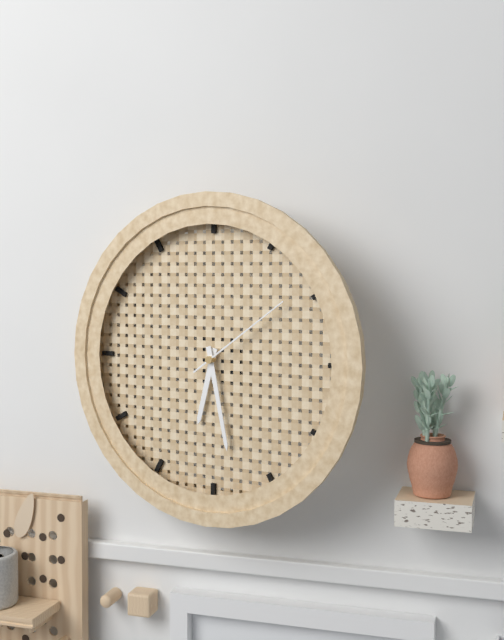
6.28.09
